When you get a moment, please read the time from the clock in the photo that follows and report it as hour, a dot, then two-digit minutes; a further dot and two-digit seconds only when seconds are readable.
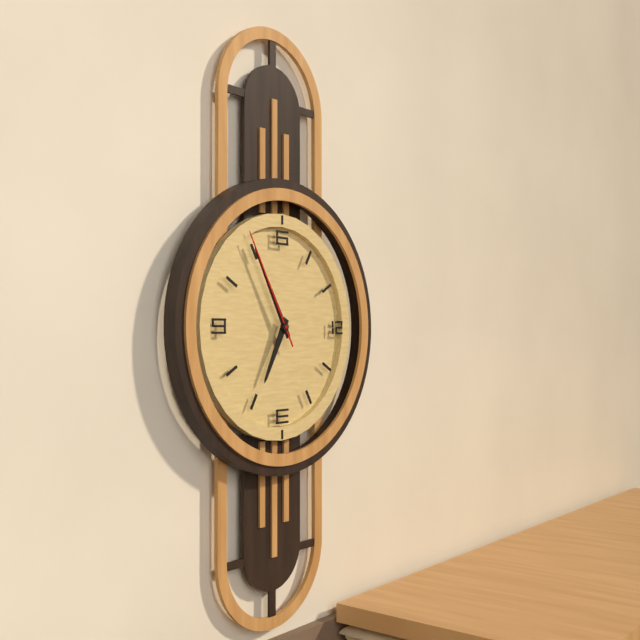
6.55.55
